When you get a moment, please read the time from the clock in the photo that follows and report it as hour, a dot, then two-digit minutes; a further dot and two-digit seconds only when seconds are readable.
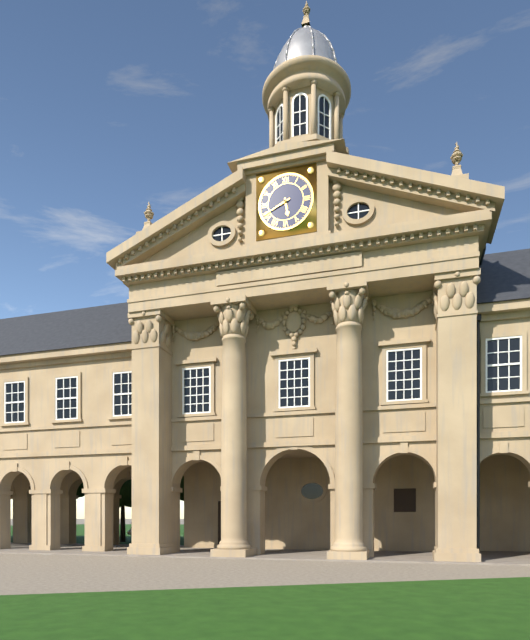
5.41
